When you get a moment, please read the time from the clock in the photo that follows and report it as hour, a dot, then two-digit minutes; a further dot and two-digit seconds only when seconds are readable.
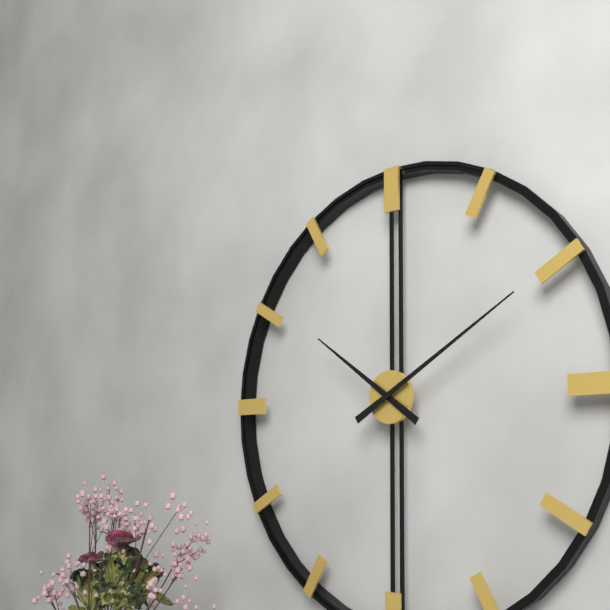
10.10
